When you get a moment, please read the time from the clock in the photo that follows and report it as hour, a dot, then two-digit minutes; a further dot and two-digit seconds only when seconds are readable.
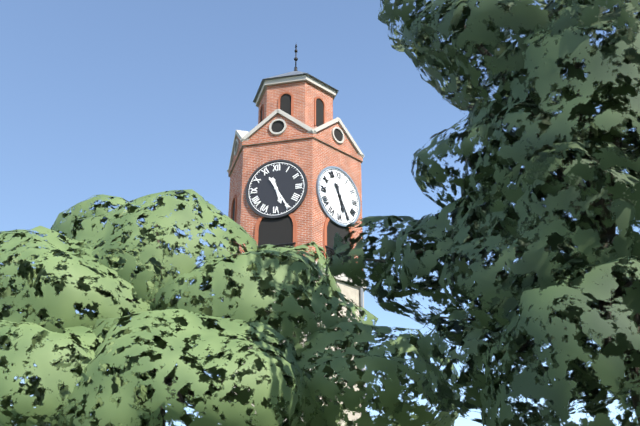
5.25
